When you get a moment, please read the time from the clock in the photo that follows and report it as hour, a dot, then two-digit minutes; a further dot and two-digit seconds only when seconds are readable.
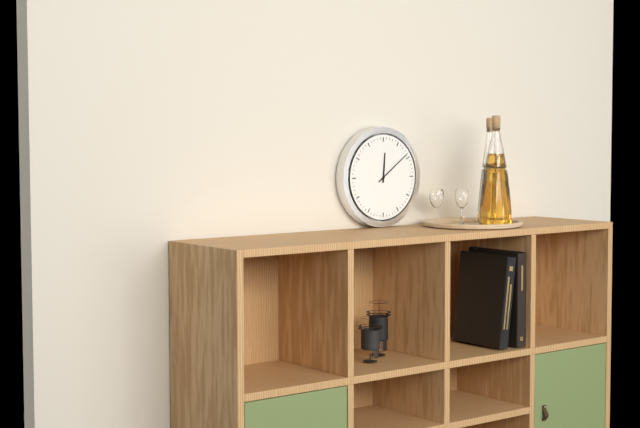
12.09
